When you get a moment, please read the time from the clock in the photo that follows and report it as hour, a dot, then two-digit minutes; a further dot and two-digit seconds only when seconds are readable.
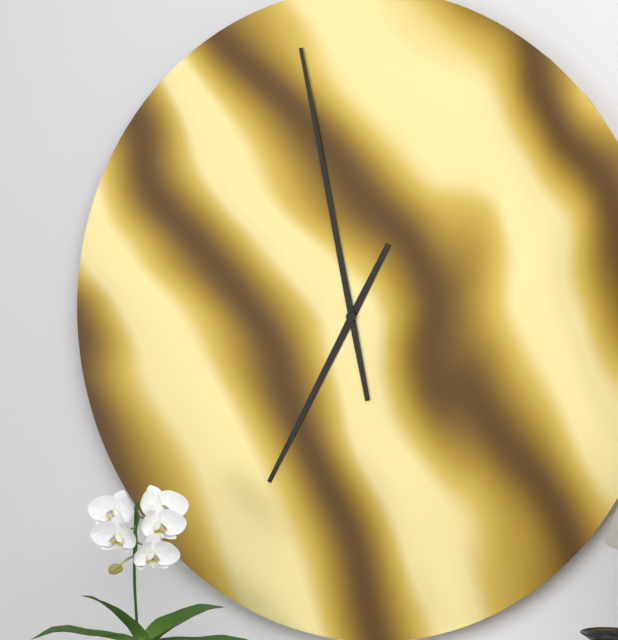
6.58
